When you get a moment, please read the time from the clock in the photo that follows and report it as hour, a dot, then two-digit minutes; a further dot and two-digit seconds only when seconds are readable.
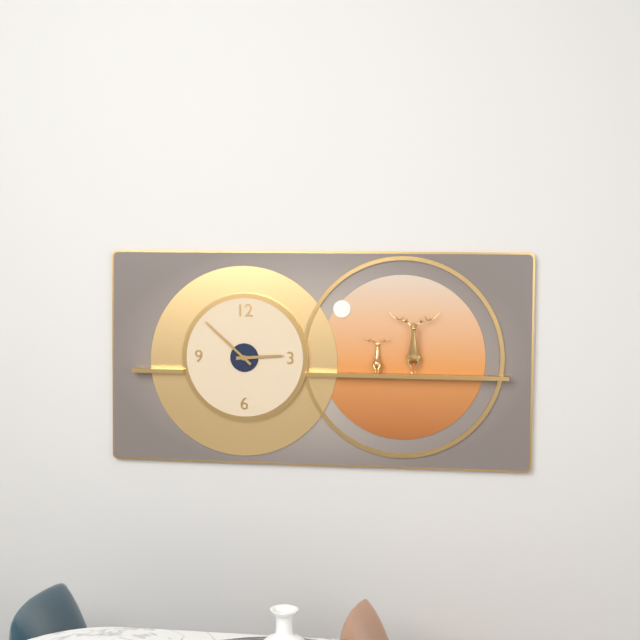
2.52
